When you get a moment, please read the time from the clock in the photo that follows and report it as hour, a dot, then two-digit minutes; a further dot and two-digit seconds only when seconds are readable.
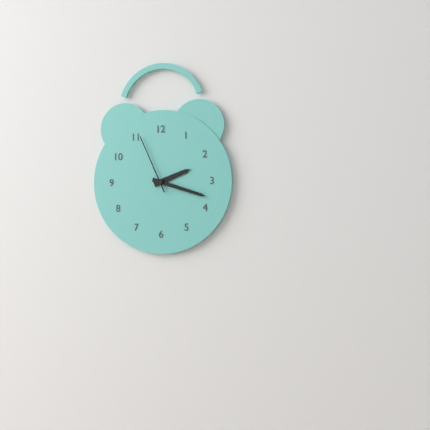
2.18.56
